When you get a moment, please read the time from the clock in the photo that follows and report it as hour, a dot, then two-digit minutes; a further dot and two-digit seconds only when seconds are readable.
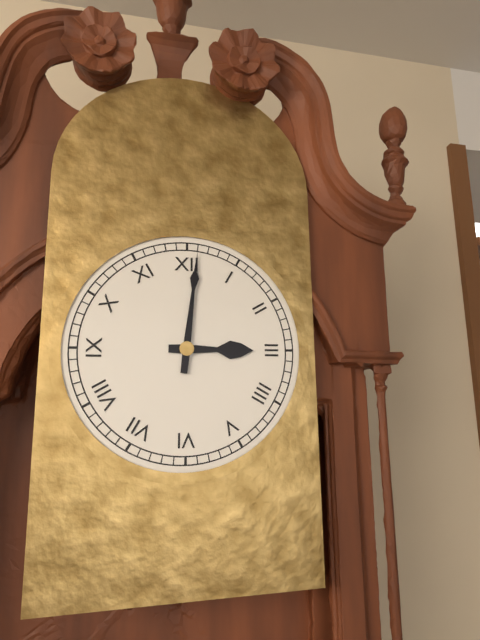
3.01
